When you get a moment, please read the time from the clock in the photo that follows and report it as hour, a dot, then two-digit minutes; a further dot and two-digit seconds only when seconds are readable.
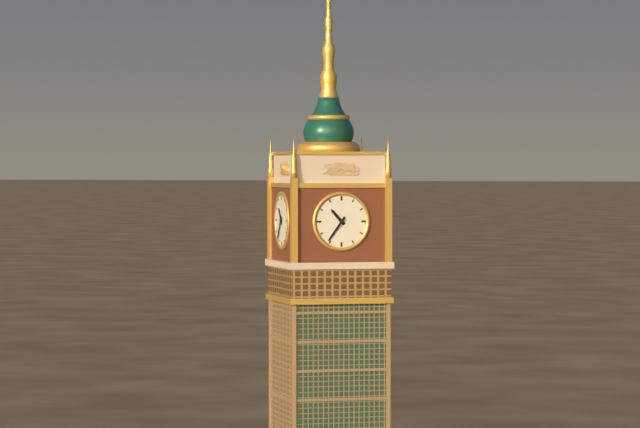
10.36
